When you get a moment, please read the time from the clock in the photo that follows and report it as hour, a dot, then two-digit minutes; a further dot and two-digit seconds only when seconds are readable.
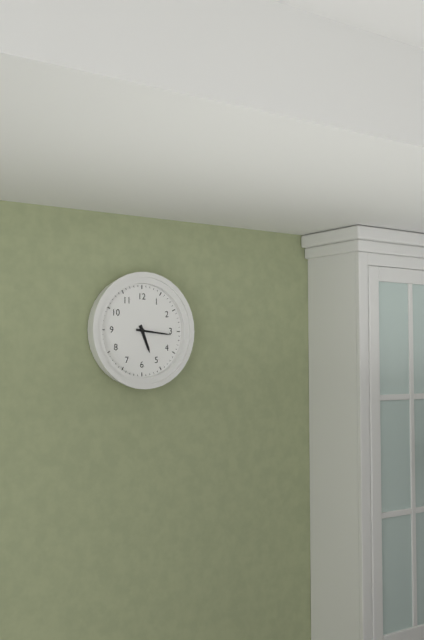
5.16
